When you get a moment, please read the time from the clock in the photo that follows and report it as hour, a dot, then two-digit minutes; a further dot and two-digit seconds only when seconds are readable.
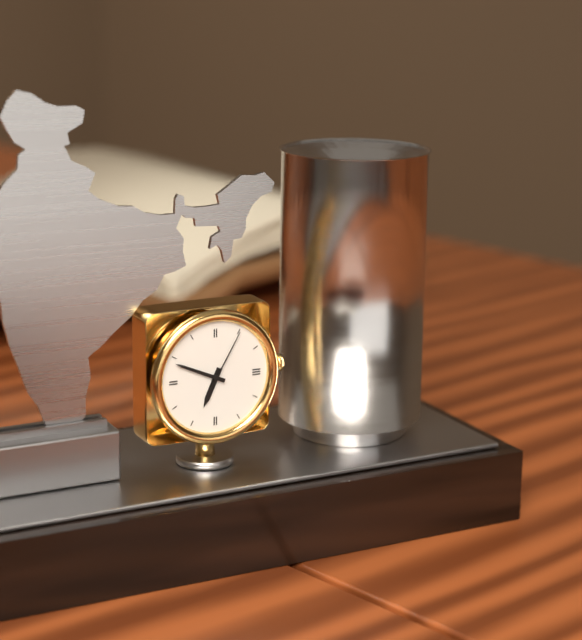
6.49.05
